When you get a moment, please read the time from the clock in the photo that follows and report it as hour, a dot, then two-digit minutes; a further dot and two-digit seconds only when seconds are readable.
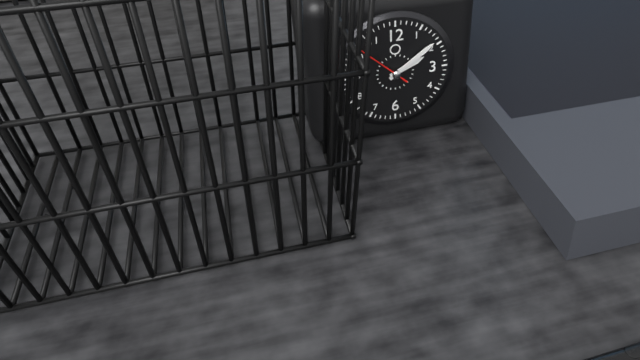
2.09.52
